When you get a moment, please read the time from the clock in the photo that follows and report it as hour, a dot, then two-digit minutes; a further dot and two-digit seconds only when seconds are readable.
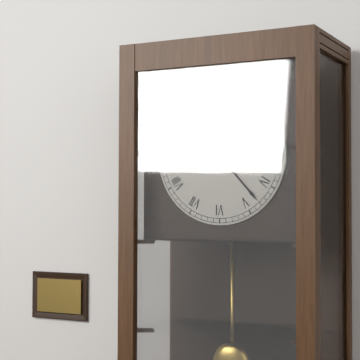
9.23
